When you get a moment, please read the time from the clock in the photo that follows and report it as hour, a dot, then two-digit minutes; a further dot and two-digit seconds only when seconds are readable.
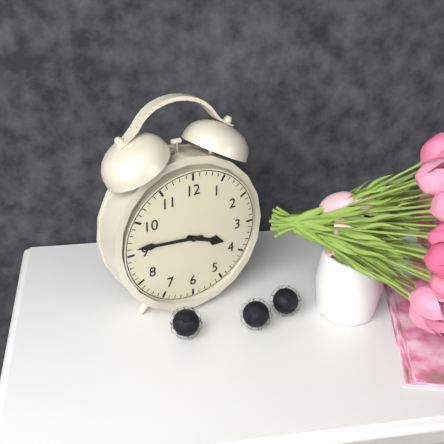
3.46
